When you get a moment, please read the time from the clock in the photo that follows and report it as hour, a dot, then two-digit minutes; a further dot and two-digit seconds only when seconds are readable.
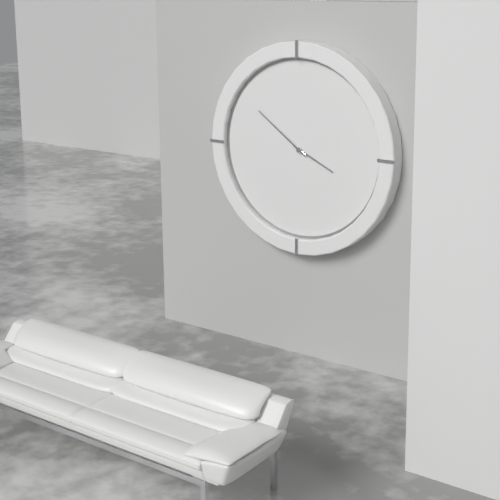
3.51
